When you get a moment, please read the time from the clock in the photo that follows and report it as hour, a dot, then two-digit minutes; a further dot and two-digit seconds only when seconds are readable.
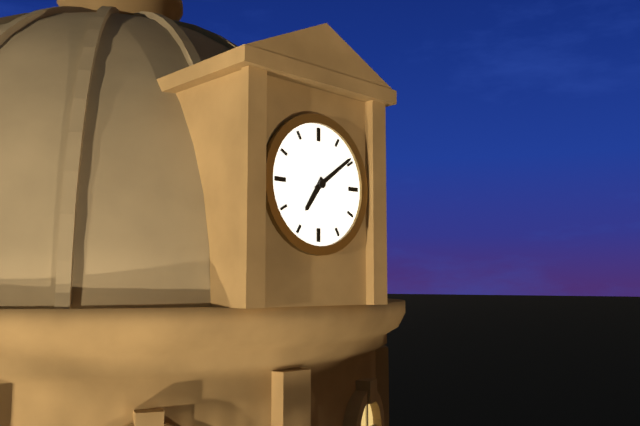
7.09
